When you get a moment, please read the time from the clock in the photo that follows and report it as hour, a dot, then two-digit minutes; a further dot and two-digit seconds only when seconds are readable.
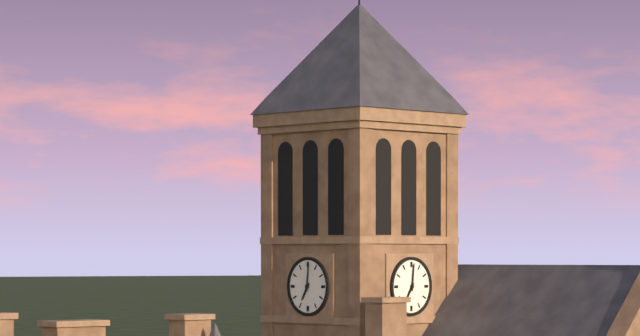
7.01
